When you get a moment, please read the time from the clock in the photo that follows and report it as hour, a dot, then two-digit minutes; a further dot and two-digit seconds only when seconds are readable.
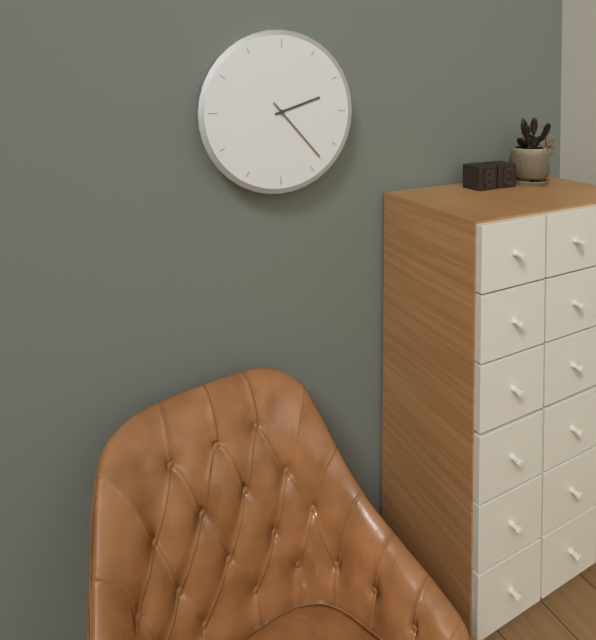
2.23
